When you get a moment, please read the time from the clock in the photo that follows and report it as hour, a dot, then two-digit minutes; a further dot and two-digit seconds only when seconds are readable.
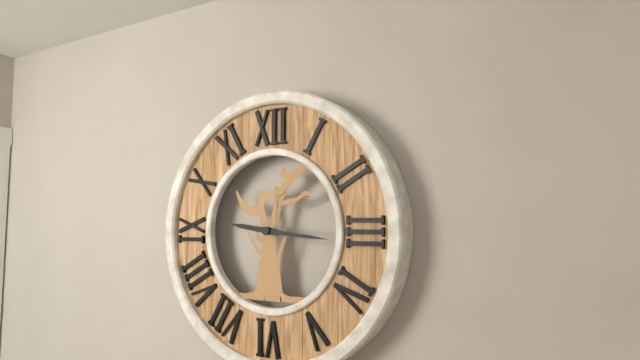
9.16
